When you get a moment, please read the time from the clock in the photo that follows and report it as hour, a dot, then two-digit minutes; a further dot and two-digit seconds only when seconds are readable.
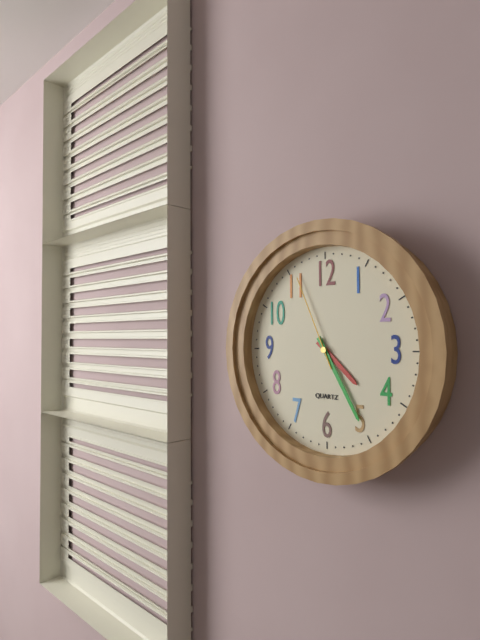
4.25.56
